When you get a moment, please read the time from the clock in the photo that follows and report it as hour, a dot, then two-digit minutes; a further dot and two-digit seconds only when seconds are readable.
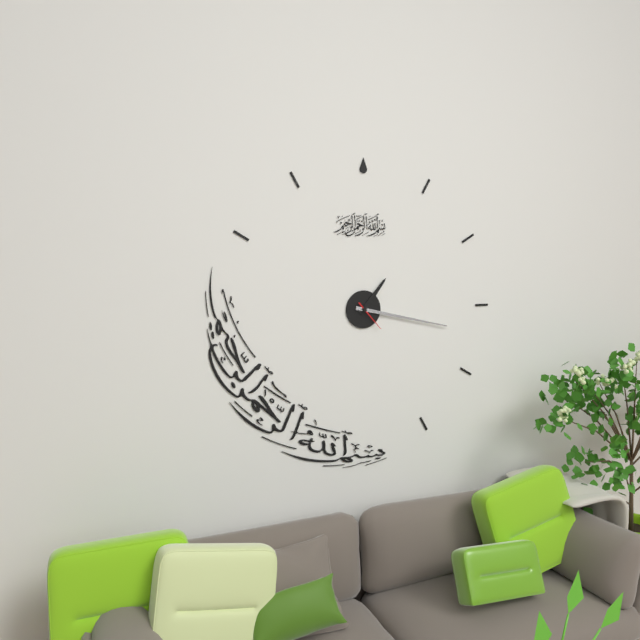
1.17
